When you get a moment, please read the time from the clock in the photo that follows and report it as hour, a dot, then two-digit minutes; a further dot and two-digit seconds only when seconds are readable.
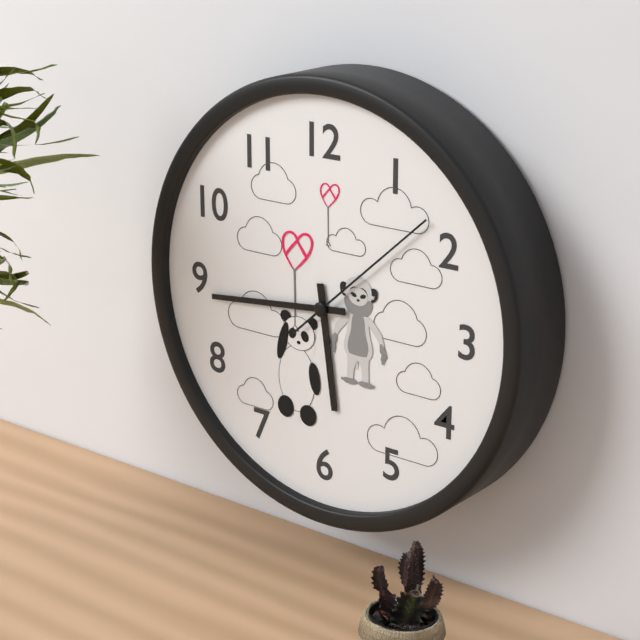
5.44.08
